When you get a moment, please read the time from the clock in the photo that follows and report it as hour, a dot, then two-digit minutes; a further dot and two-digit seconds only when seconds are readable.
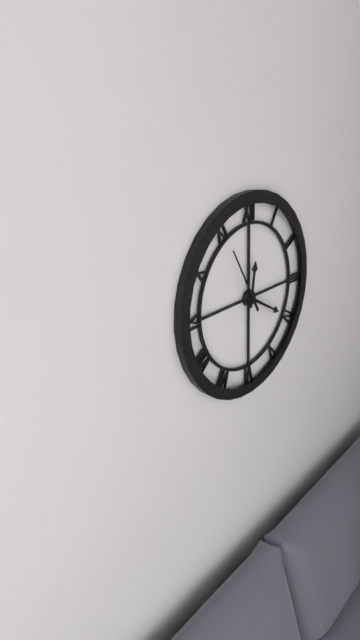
12.20.55
